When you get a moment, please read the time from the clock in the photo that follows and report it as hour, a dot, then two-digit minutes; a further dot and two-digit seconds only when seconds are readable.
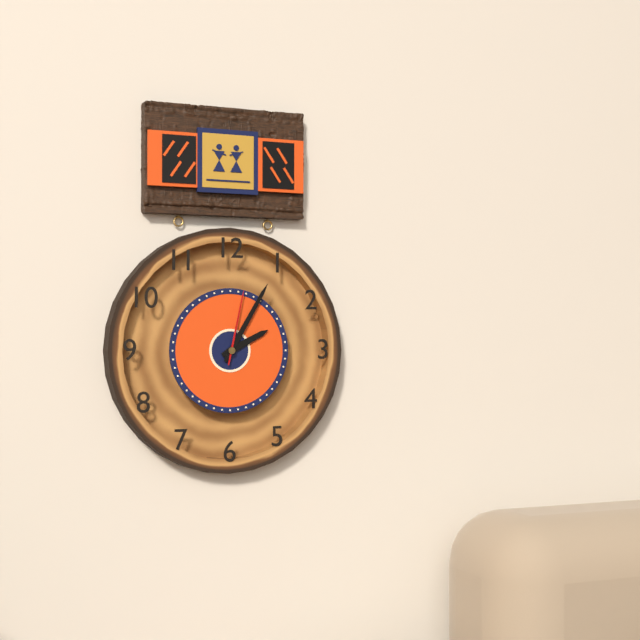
2.05.02
